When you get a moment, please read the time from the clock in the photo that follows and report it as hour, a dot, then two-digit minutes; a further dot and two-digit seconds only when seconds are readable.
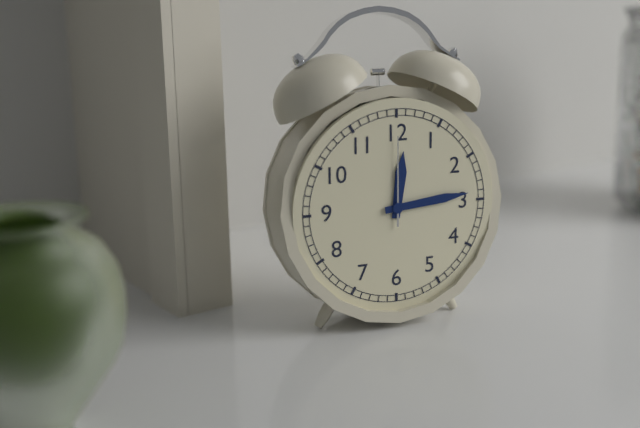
12.14.00
